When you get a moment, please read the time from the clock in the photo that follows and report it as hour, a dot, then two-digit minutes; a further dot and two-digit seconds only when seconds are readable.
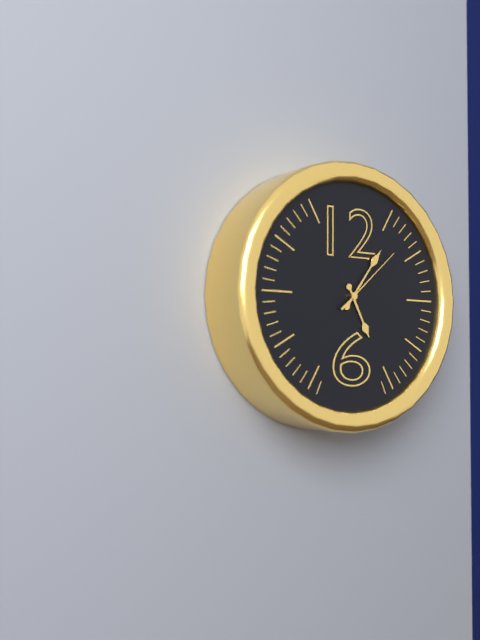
5.06.08
